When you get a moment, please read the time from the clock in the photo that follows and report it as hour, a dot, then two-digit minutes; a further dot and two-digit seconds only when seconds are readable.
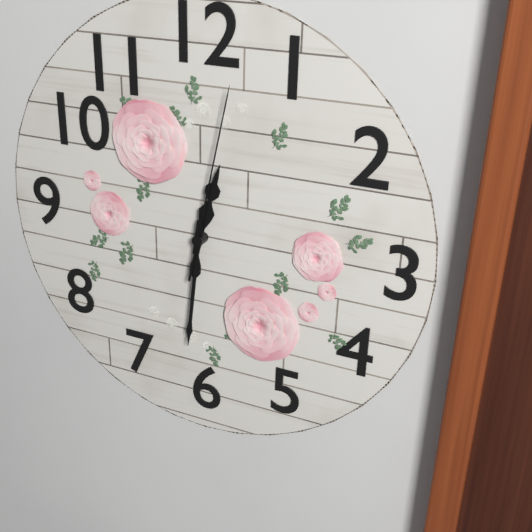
12.31.02
